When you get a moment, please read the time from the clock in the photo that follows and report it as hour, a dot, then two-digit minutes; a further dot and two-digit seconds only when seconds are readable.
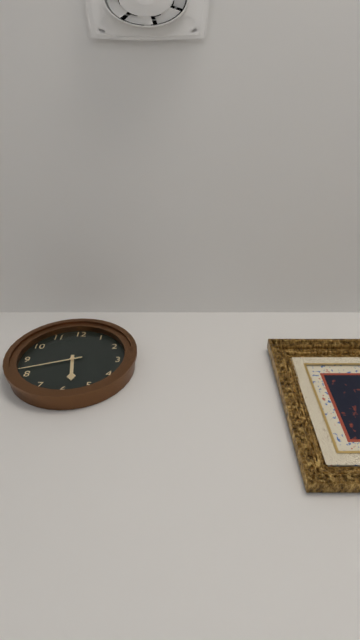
5.42
